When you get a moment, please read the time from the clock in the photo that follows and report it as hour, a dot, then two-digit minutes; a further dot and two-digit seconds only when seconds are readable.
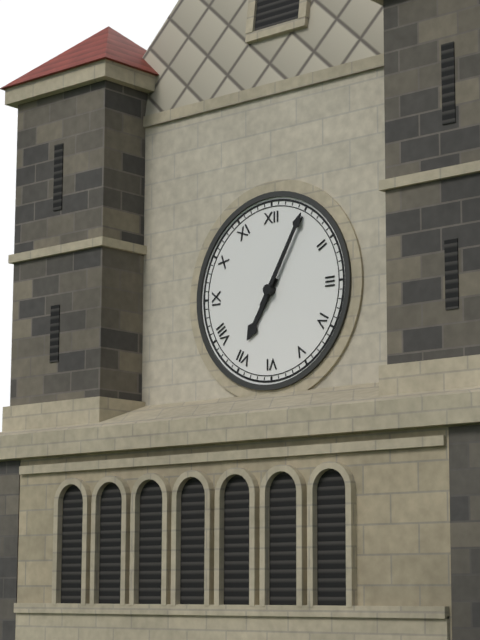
7.05
